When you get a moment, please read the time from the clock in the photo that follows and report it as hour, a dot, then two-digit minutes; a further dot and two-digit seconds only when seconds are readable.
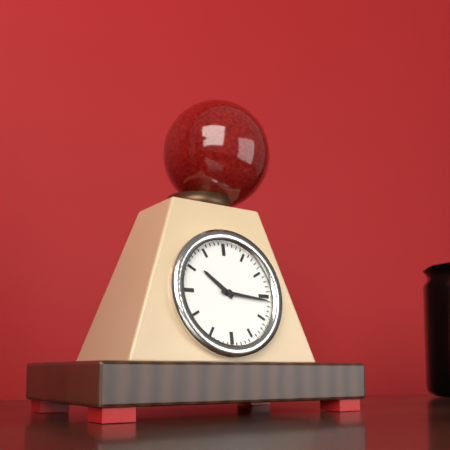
10.16
